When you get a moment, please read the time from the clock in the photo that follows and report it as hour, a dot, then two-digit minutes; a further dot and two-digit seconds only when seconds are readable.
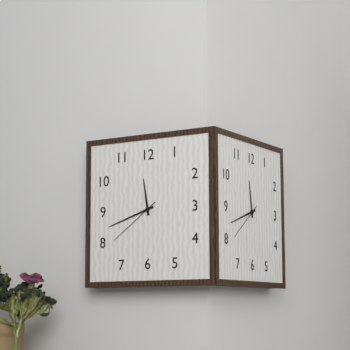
11.42.39
